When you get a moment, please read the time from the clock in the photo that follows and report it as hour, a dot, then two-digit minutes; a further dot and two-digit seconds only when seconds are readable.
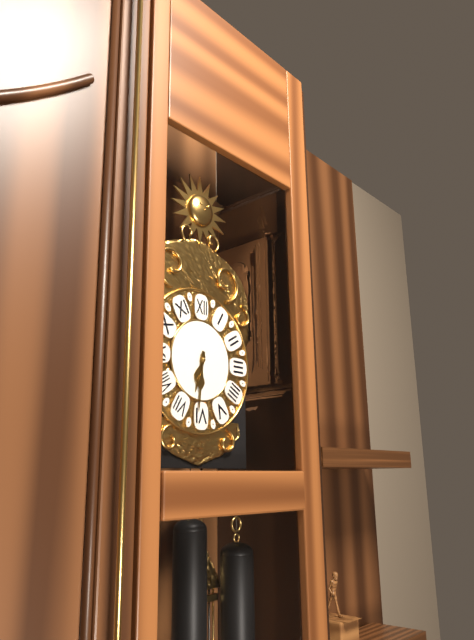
6.31
